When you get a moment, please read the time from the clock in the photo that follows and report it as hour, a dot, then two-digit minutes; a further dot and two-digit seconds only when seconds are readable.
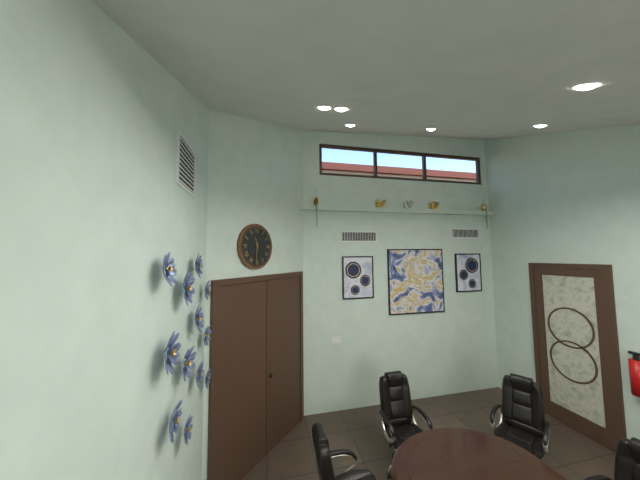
11.31
